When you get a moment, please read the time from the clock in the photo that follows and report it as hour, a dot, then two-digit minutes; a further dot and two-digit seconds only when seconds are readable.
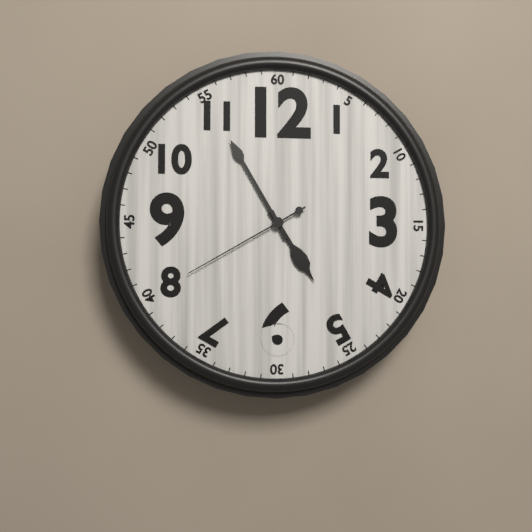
4.55.40
